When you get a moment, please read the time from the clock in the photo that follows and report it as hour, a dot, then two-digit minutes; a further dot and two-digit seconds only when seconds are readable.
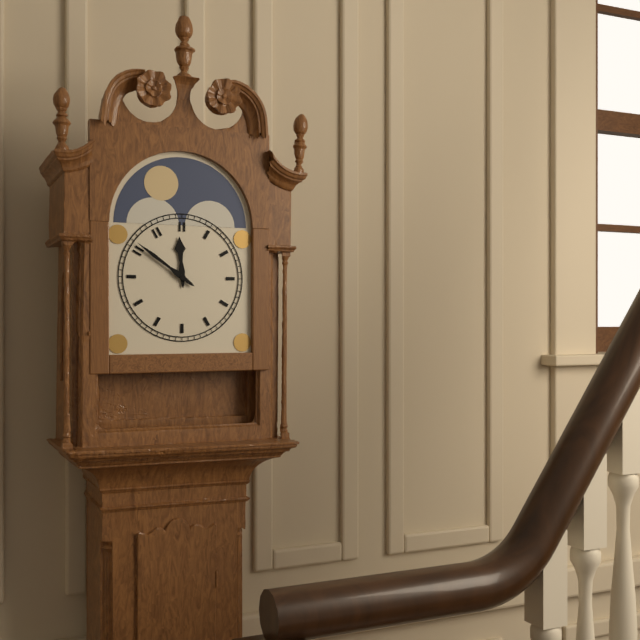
11.51
